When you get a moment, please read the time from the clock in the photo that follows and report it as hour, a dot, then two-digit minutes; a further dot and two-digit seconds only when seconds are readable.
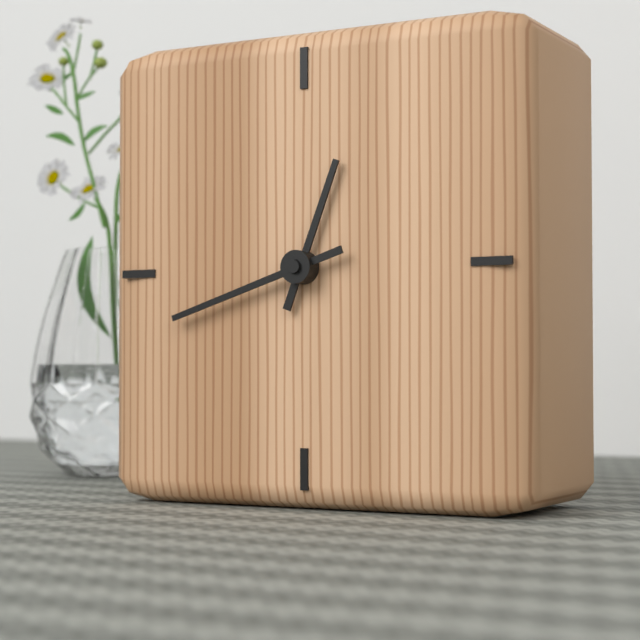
12.42
